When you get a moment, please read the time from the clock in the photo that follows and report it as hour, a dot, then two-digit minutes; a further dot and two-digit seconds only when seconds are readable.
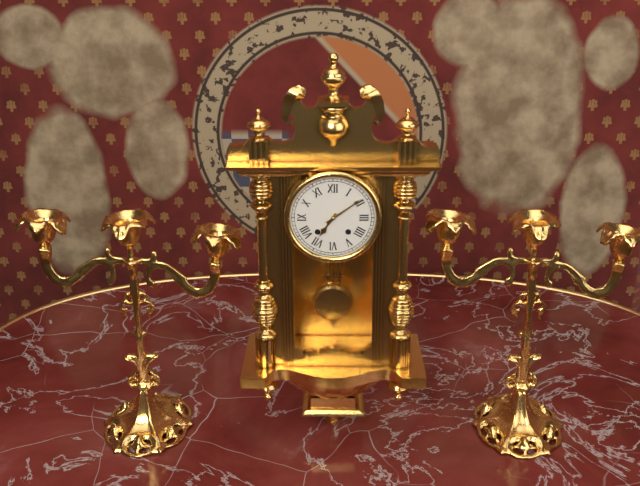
7.09
